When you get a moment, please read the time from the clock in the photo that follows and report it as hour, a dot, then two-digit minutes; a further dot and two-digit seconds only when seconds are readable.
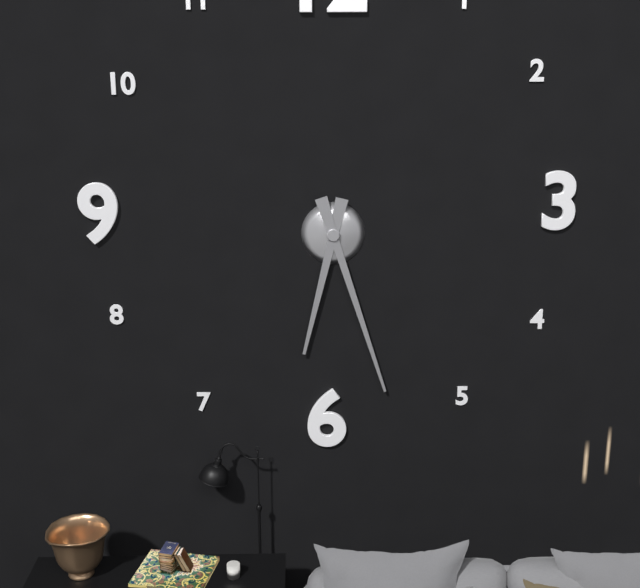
6.27
